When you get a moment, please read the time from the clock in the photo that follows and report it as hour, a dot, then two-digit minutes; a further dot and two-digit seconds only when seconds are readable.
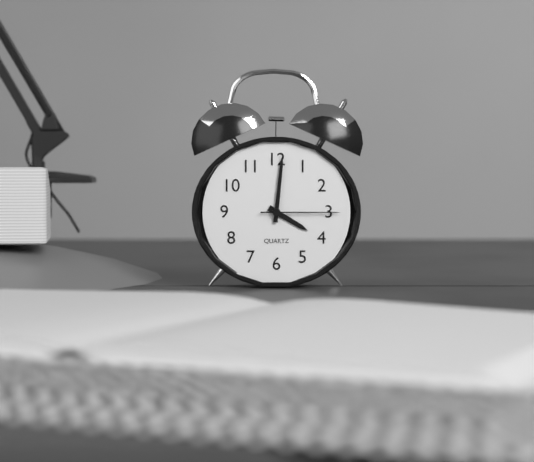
4.01.15
